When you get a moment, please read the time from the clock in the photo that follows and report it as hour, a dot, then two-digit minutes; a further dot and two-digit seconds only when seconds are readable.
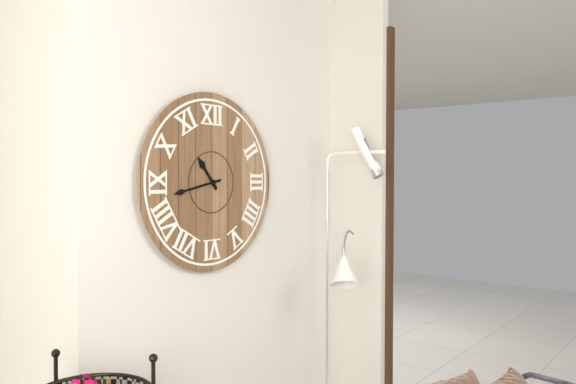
10.43
